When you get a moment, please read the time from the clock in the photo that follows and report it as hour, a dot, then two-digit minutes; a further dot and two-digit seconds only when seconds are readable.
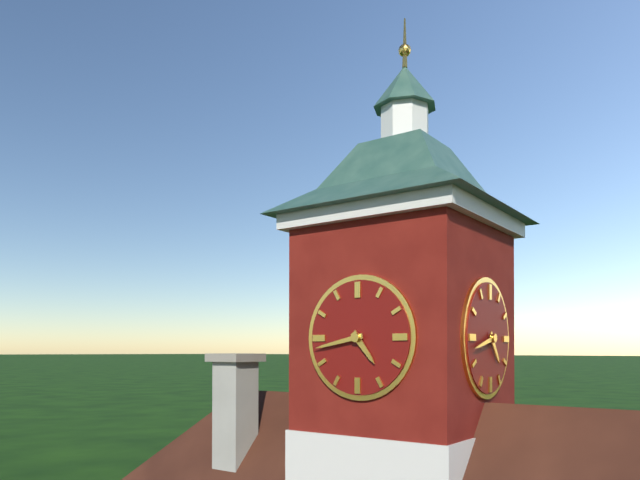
4.43
